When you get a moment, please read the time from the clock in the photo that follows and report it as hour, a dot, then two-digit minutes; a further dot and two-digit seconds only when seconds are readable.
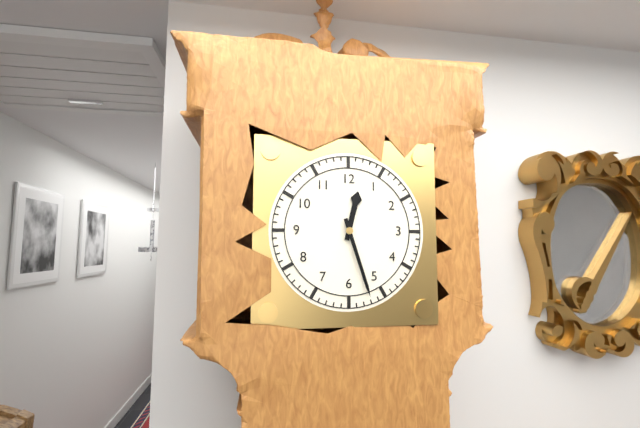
12.27
